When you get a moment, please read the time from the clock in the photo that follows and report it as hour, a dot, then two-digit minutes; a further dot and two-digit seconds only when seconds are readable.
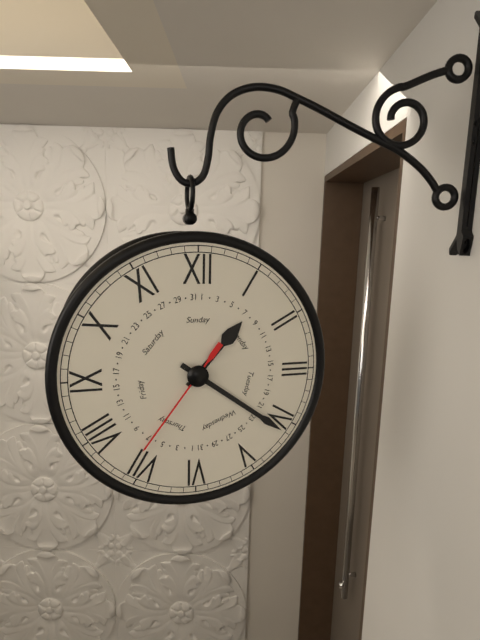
1.21.36
